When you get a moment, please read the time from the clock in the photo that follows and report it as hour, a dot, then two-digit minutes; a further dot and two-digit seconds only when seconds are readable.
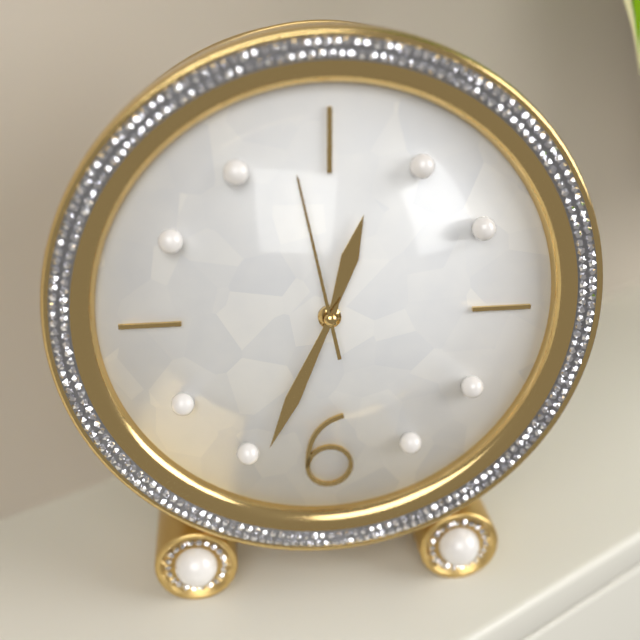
12.34.58
